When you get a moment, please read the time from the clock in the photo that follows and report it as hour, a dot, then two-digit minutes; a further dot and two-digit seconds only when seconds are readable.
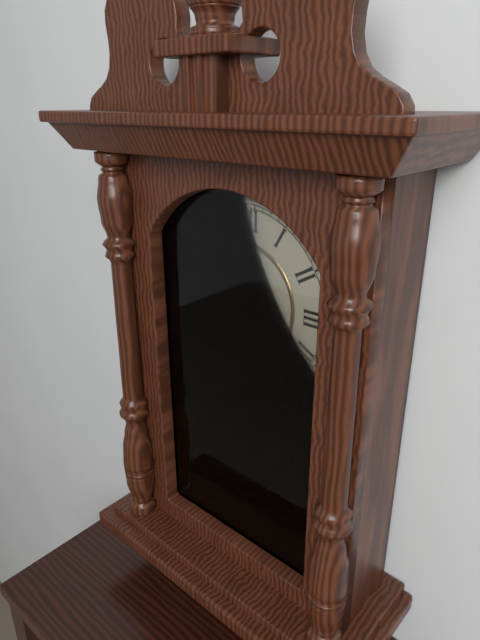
6.50
